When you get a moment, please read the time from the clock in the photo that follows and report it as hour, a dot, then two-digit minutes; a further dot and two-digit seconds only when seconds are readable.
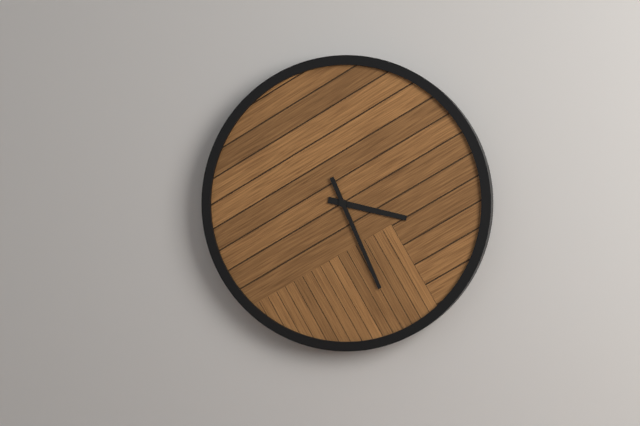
3.26
